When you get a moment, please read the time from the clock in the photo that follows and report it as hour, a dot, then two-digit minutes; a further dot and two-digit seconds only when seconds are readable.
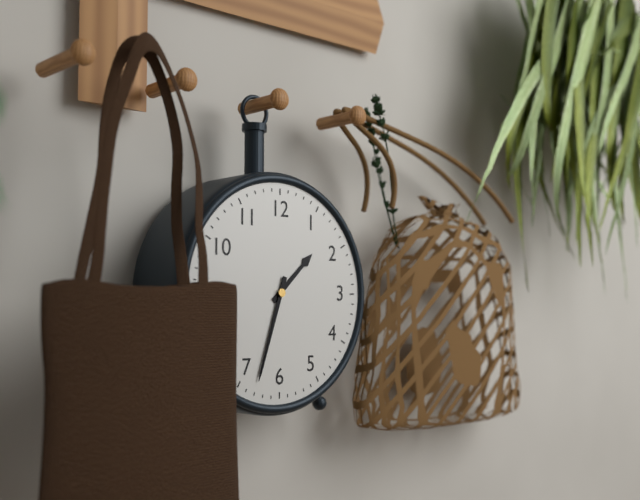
1.33
